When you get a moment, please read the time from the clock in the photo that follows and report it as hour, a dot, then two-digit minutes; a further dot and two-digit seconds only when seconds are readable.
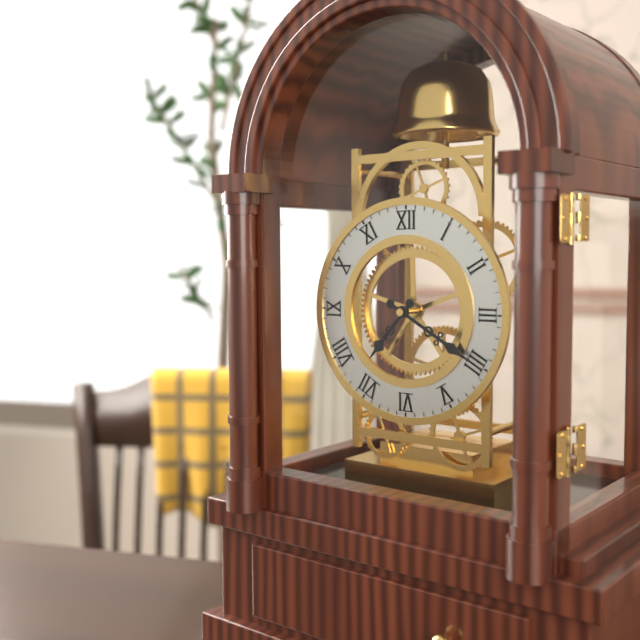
7.20
